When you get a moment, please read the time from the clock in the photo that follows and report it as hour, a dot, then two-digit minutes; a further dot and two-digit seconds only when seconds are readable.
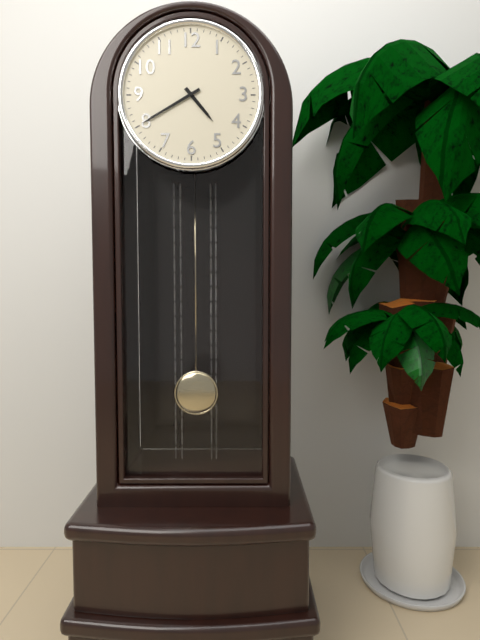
4.40
